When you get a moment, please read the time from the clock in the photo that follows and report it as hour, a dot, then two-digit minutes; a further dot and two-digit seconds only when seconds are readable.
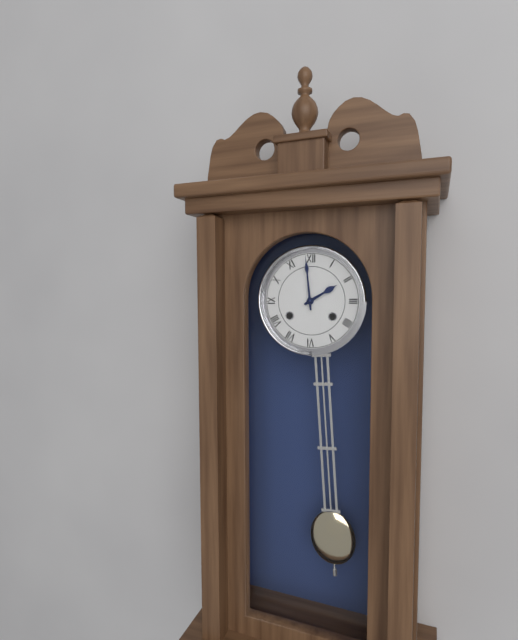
1.59
